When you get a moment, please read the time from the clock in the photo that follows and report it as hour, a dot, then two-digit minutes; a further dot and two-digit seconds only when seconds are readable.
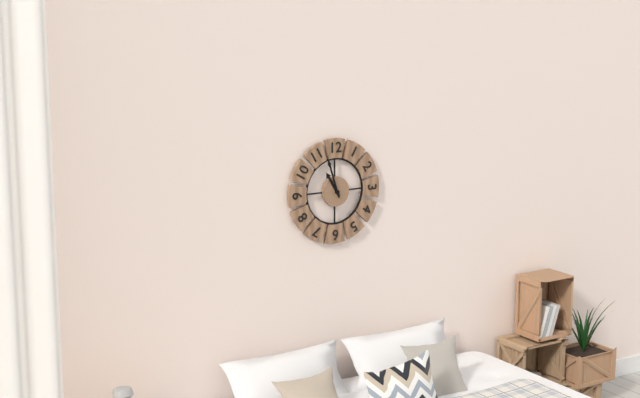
10.57
